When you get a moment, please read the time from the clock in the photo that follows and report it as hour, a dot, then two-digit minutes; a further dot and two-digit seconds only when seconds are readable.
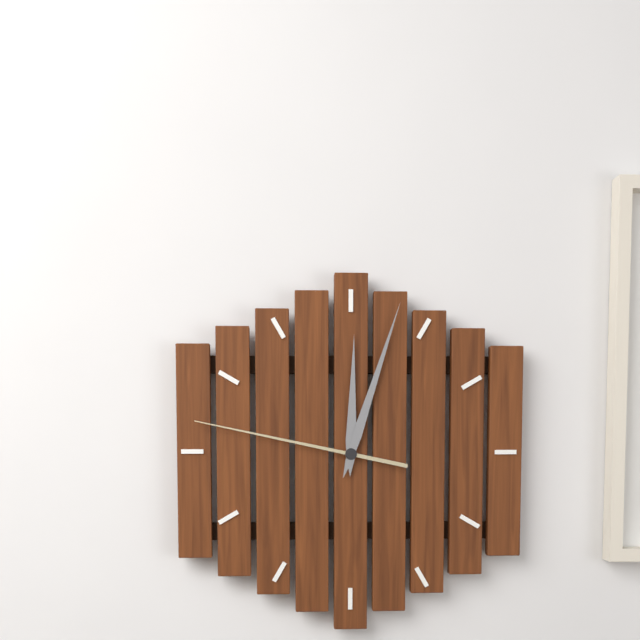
12.03.47
